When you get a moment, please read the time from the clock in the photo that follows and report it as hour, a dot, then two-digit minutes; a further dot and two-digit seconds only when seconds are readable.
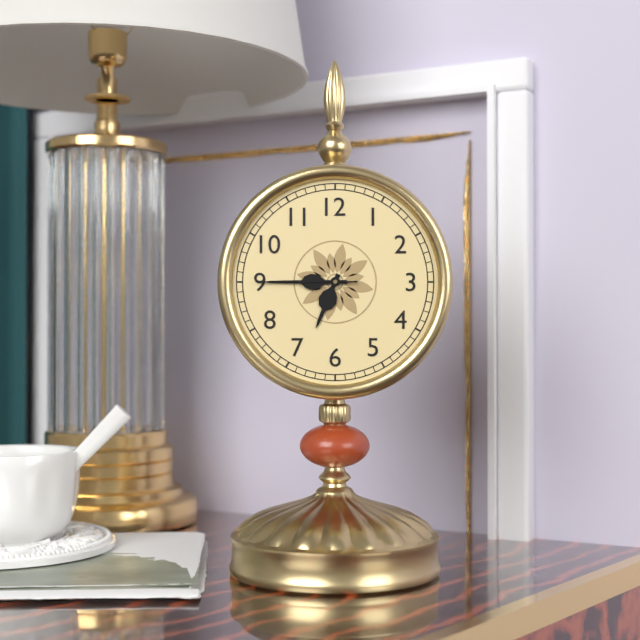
6.45.45
